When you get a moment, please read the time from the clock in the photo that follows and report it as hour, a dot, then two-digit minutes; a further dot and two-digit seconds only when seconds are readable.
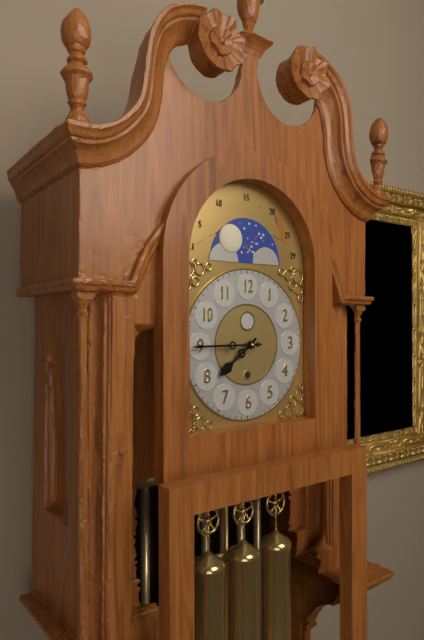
7.45
